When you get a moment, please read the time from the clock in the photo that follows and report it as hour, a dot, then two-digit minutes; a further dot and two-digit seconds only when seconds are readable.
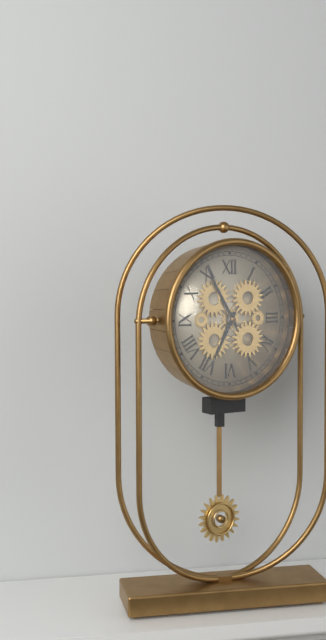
6.55
